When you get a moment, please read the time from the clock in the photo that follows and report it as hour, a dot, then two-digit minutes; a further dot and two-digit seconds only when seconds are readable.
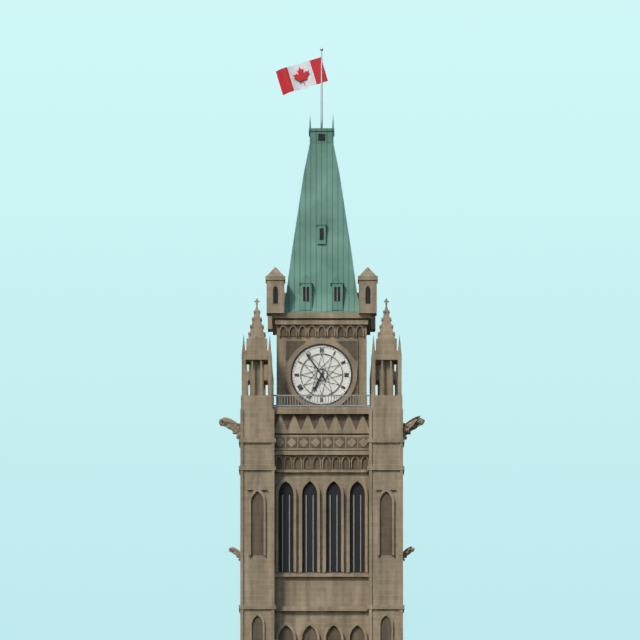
6.54
